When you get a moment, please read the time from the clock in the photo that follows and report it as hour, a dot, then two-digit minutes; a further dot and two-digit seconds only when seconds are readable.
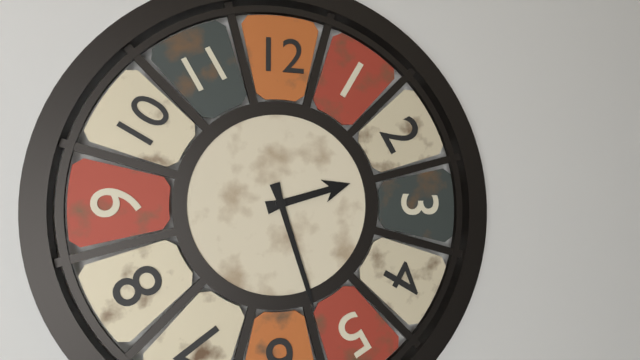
2.27
